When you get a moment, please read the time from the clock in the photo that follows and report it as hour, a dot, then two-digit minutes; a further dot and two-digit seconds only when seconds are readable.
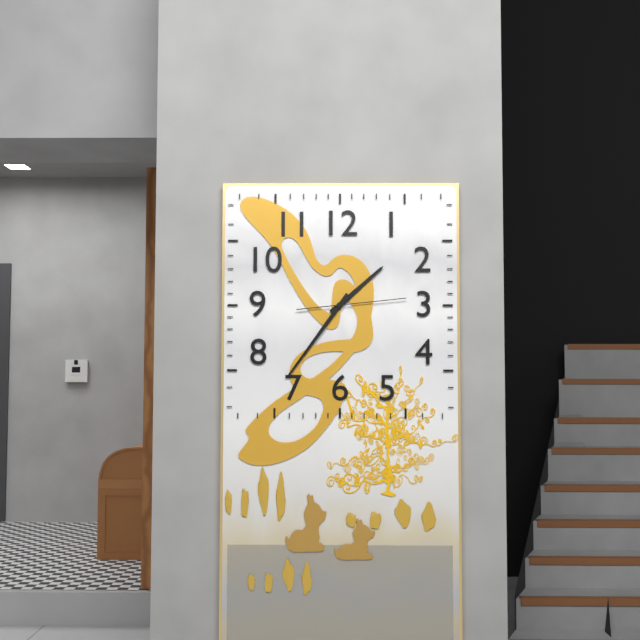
1.36.14
